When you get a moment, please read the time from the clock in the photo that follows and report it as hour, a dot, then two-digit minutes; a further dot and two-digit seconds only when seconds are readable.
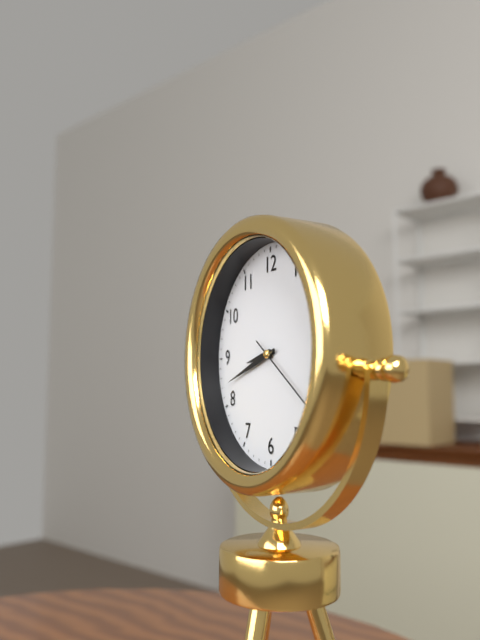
8.42.21
